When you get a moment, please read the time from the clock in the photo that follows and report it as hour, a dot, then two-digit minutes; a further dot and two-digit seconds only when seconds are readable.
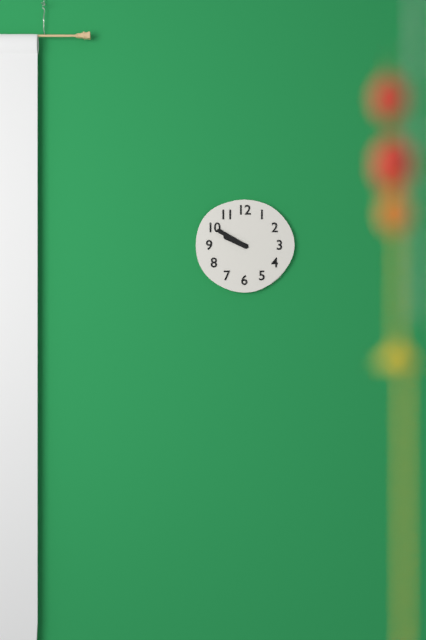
9.50
